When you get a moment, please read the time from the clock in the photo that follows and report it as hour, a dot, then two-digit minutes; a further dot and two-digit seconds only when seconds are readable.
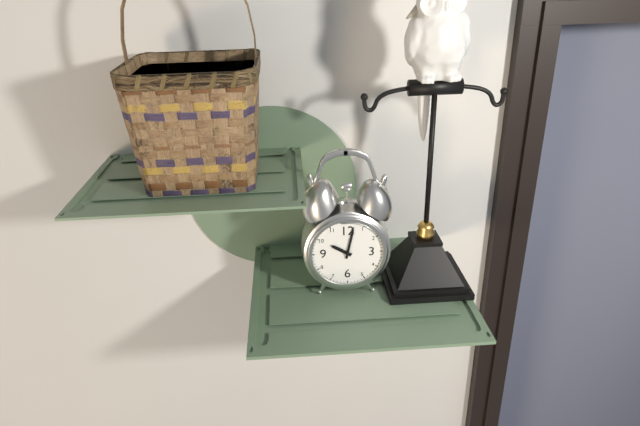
10.02
